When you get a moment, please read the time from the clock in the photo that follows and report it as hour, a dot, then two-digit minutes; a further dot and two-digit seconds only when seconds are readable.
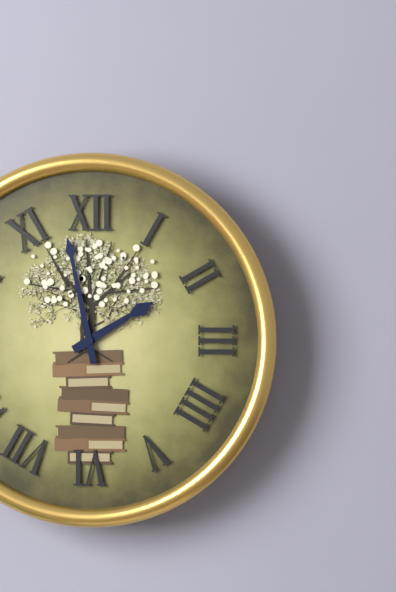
1.58
